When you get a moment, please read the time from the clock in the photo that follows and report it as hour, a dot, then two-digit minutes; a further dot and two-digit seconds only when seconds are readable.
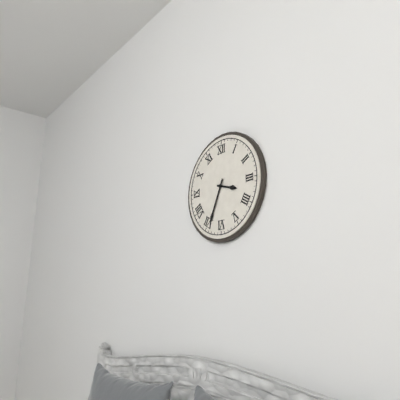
3.34
